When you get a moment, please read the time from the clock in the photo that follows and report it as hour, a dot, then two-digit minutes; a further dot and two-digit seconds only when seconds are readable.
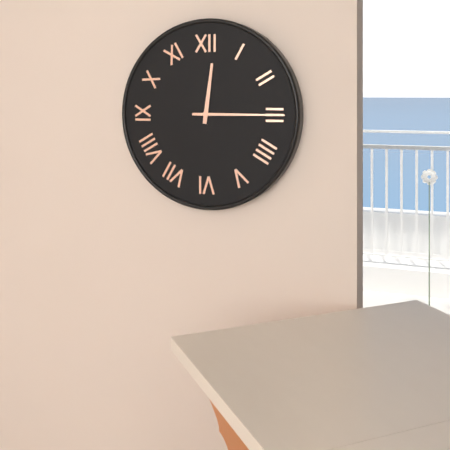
12.15
